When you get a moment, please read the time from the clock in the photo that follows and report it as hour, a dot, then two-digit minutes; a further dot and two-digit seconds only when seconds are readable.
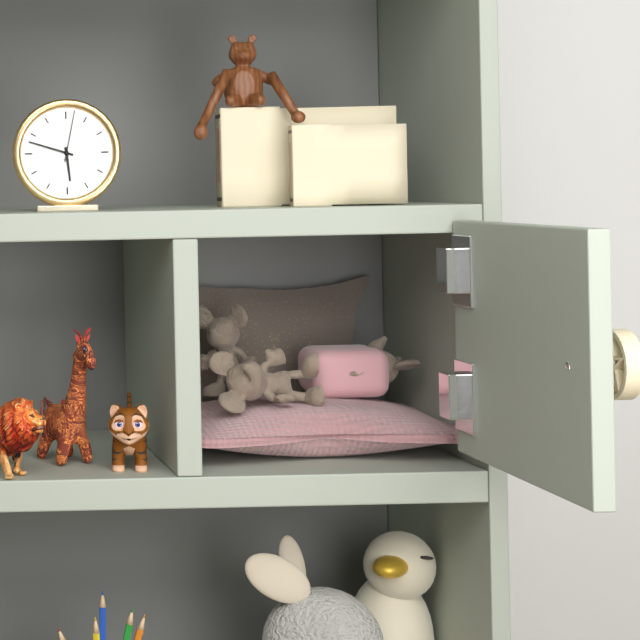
5.48.02
